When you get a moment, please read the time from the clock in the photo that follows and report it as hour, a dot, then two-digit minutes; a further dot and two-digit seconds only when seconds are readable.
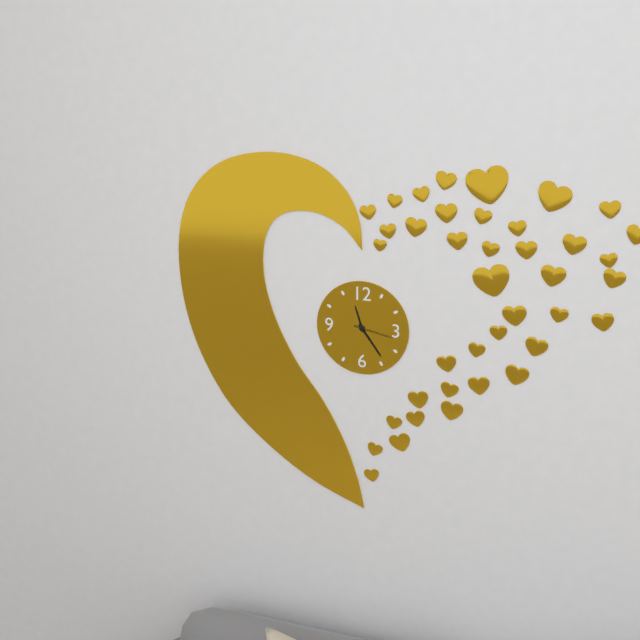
11.24
